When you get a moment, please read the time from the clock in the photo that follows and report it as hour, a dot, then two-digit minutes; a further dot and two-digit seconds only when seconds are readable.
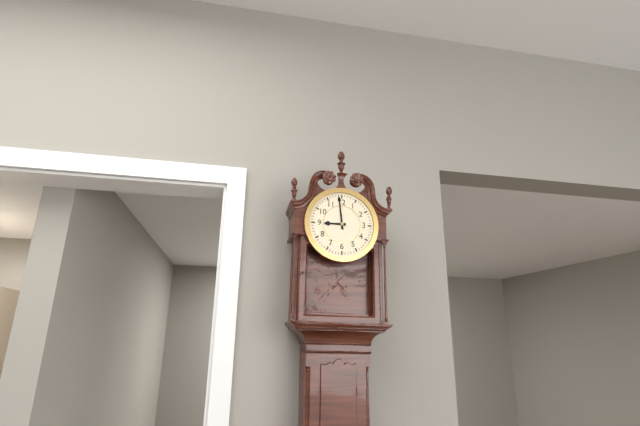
8.59
